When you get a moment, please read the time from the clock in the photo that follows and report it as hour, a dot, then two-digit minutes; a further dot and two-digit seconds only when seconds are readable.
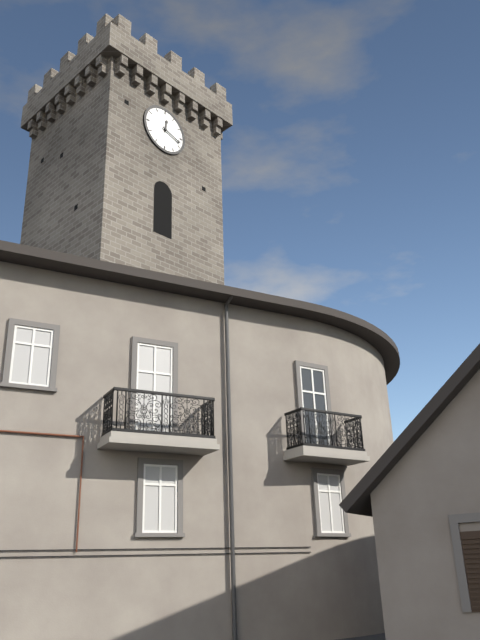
12.18
